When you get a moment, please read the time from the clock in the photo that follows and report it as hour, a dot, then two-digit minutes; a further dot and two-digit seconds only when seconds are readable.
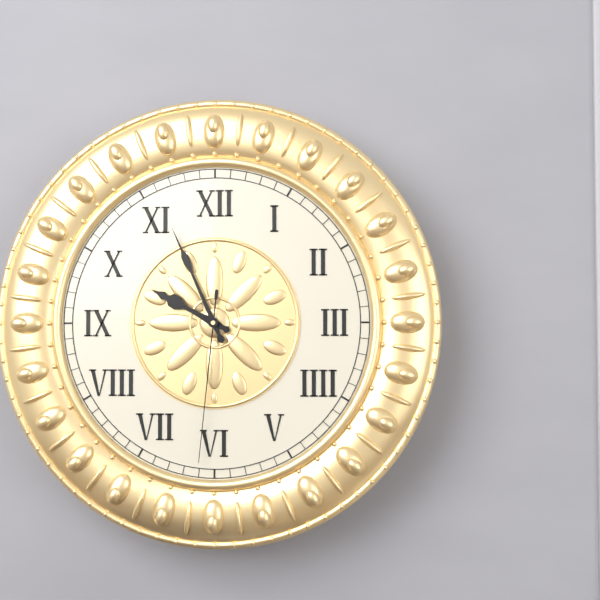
9.56.31
